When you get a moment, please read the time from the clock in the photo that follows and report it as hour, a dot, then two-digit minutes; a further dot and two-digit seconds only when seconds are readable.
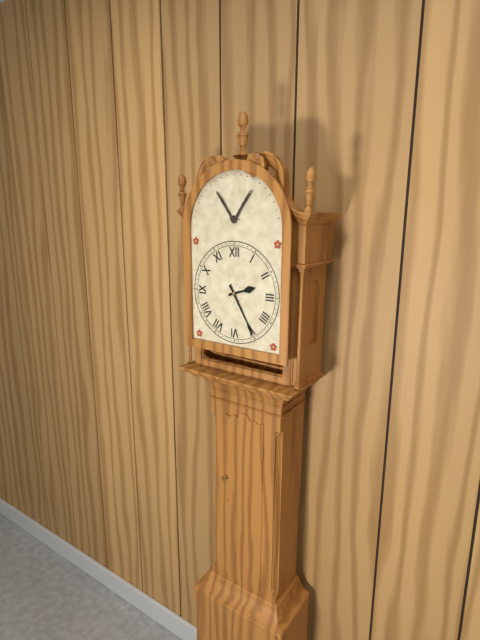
2.25
